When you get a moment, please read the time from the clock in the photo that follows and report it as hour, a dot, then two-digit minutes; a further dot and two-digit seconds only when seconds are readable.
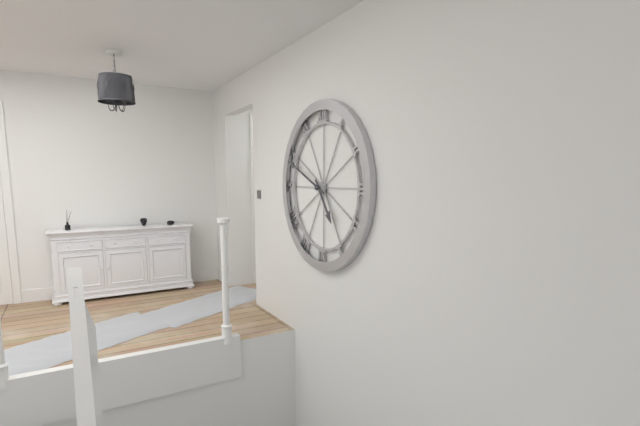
4.49
